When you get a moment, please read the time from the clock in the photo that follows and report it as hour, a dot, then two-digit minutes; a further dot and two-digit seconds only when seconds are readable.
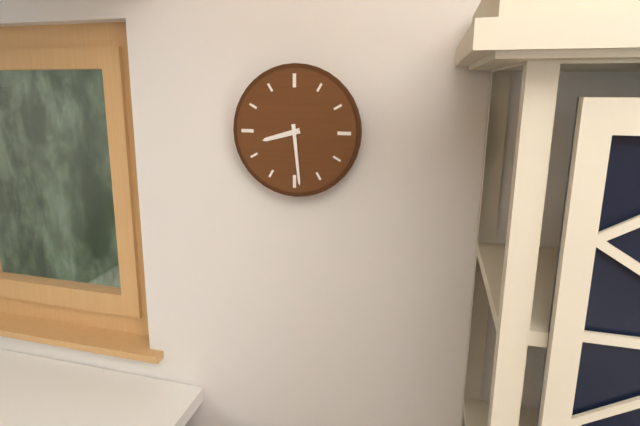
8.29
